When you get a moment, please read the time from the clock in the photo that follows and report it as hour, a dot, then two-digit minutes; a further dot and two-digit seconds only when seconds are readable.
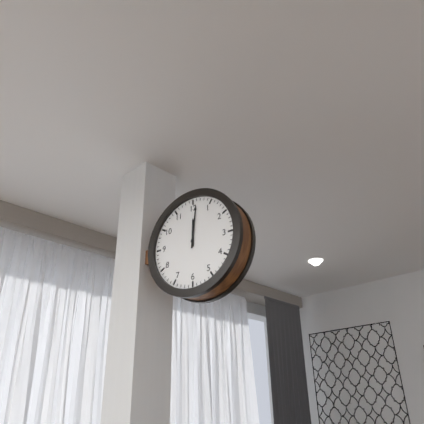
12.01
